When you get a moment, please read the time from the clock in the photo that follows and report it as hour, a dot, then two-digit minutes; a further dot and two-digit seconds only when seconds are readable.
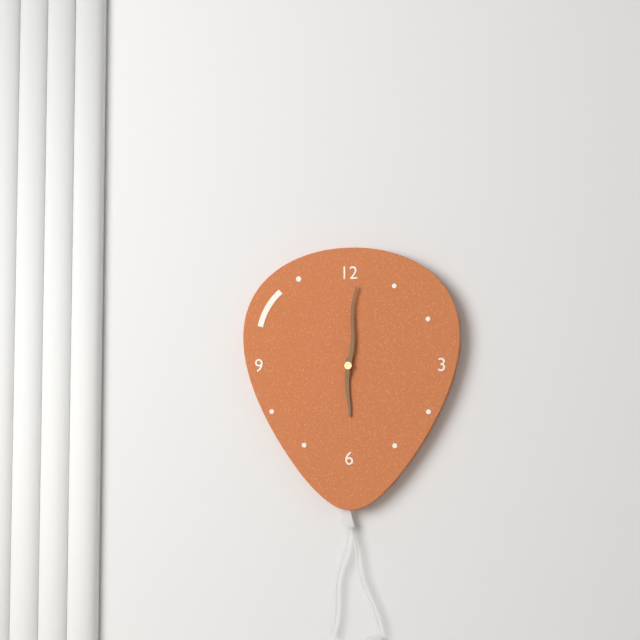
6.01
